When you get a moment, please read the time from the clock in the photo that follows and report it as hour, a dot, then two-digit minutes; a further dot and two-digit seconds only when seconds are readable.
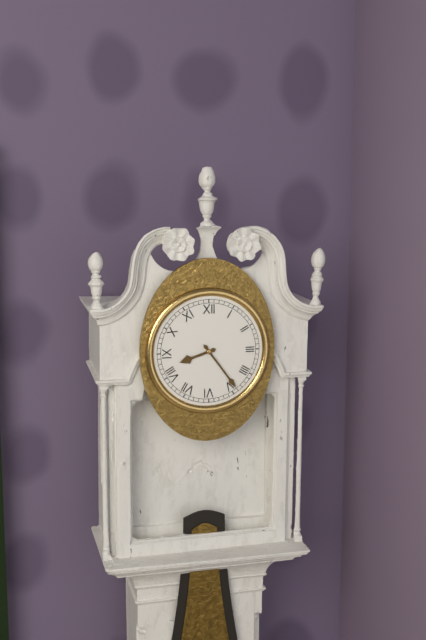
8.24
